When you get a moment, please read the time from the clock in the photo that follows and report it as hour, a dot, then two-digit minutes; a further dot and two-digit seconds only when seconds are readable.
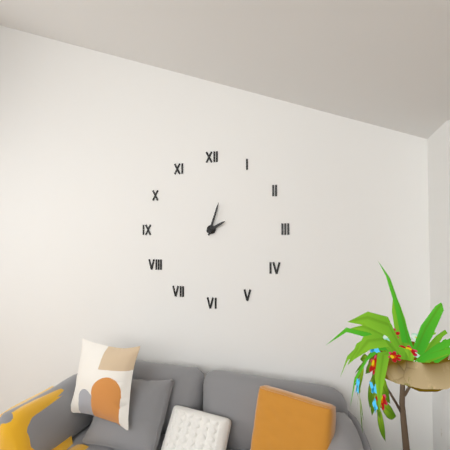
2.03
